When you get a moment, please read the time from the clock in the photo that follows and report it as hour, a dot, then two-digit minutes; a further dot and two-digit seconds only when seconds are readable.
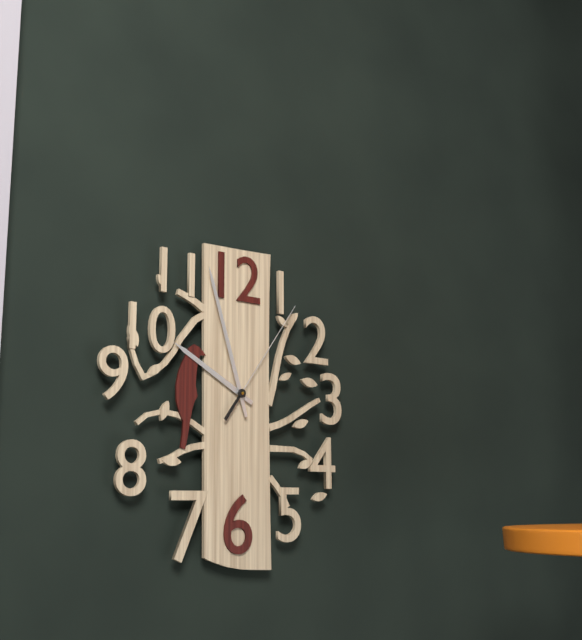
9.57.06
